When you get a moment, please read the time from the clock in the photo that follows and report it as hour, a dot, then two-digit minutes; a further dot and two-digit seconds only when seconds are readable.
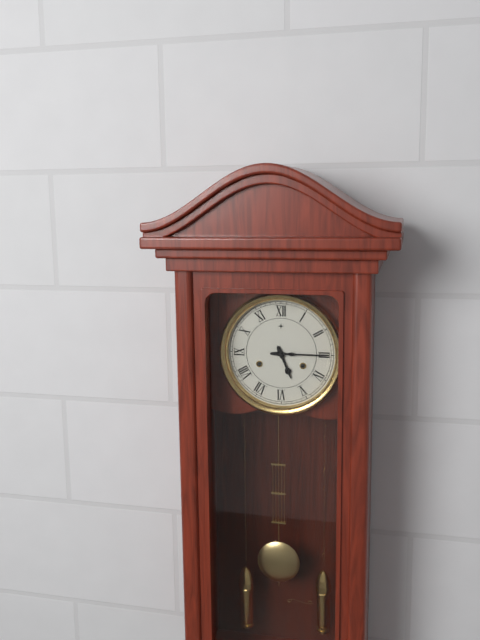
5.15
